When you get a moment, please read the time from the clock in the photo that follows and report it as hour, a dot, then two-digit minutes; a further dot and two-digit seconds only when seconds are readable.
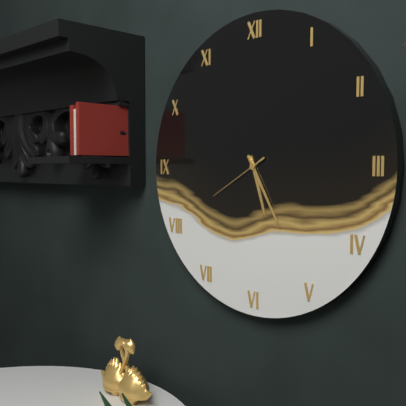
5.25.40
